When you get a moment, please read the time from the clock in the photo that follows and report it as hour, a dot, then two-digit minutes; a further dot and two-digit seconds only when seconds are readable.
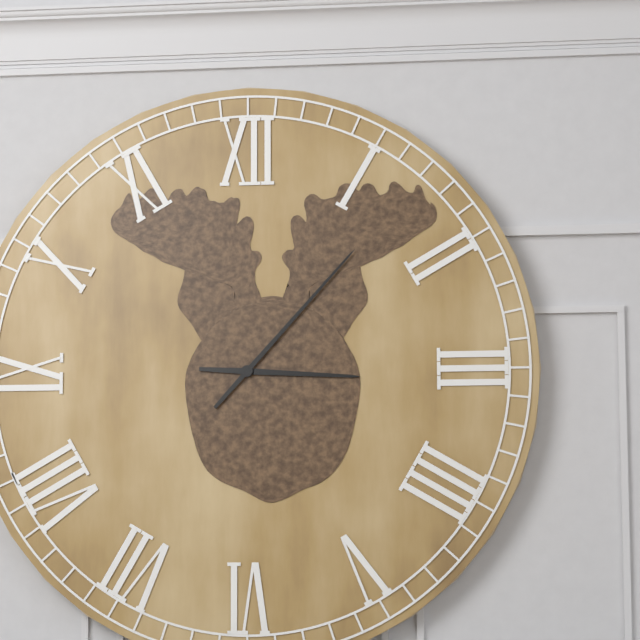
3.07
